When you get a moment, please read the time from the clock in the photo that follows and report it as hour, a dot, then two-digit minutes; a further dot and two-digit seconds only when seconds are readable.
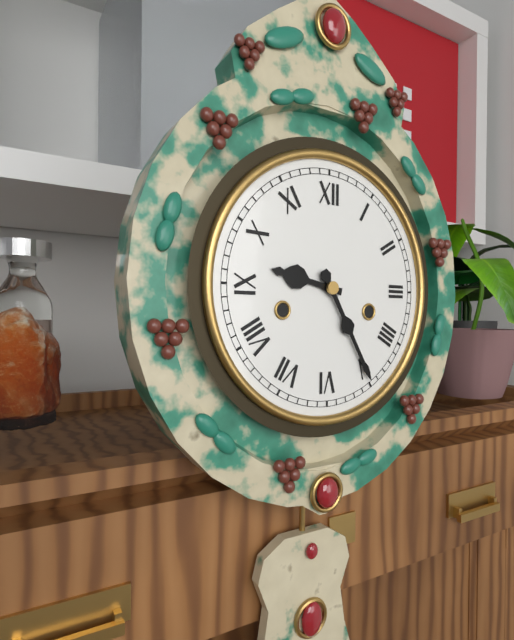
9.25
